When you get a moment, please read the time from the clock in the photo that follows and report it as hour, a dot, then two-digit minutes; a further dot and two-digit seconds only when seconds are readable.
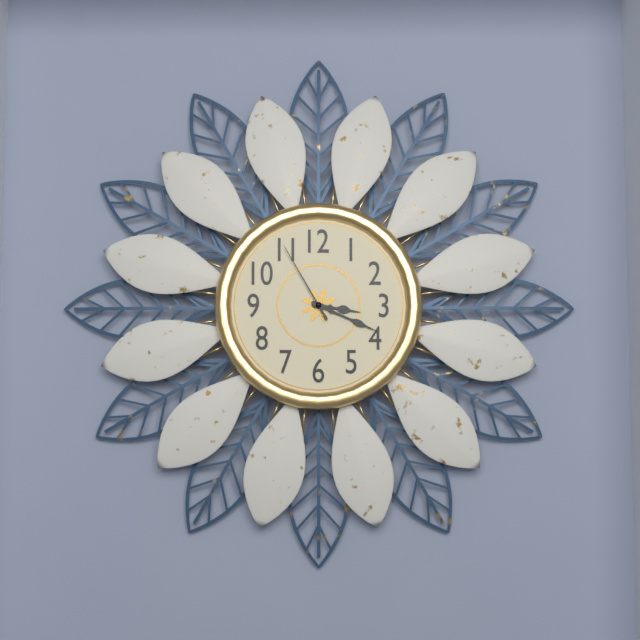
3.19.55
